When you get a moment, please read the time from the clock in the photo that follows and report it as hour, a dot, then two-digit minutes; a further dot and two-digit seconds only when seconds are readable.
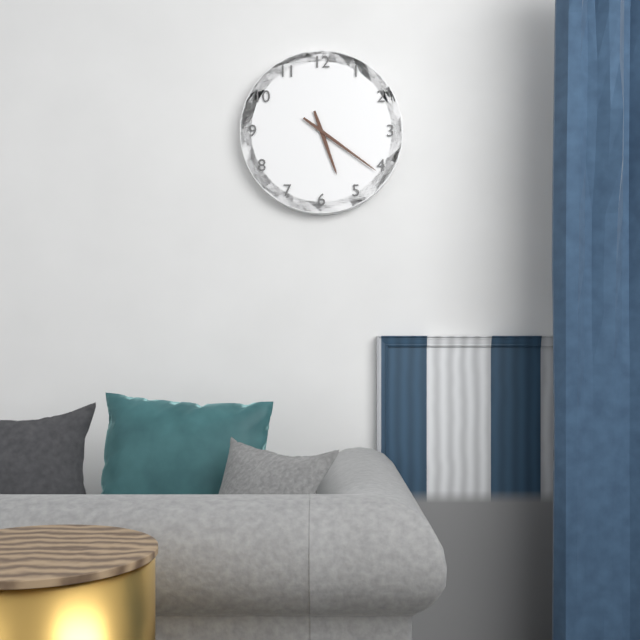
5.21
